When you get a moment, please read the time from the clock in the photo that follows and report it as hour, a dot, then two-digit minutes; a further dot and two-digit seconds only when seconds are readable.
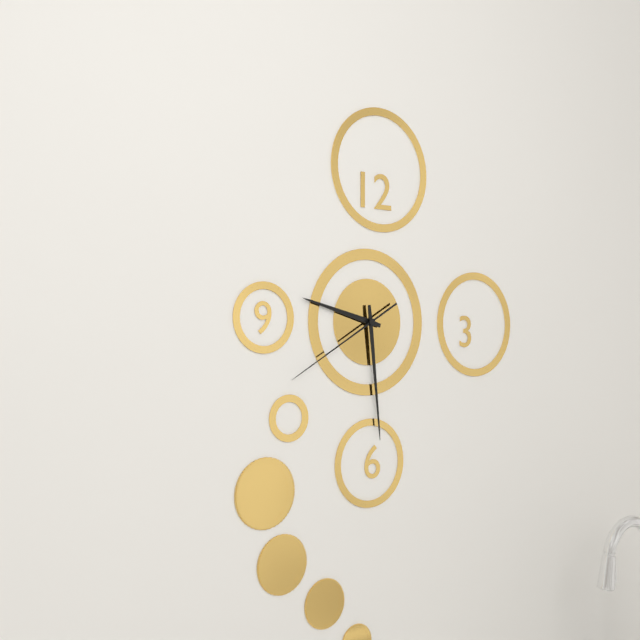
9.29.40
